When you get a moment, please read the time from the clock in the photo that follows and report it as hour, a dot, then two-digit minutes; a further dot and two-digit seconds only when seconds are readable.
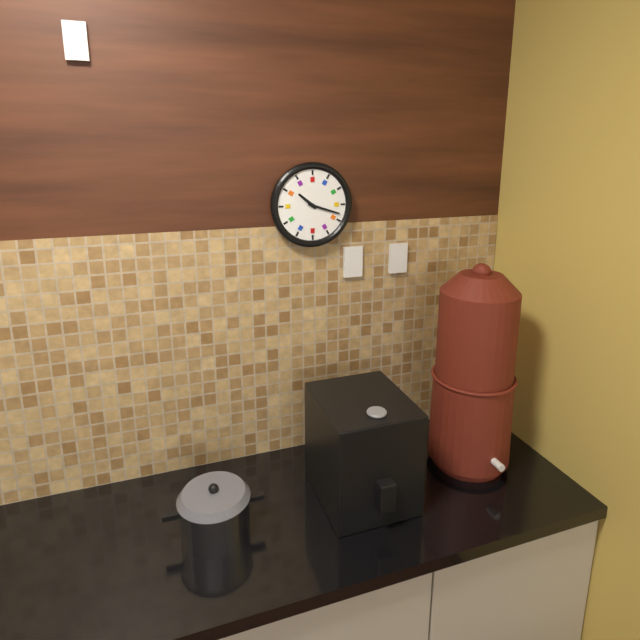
10.18
